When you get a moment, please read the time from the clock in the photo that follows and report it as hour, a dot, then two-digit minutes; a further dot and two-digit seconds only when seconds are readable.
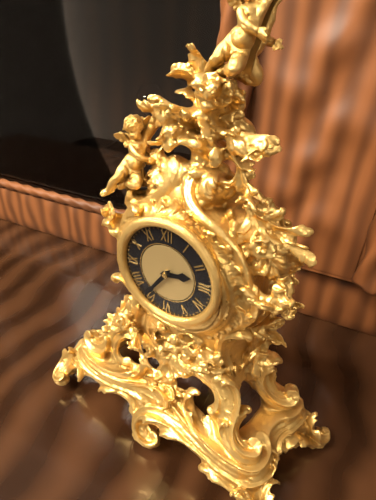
2.36
